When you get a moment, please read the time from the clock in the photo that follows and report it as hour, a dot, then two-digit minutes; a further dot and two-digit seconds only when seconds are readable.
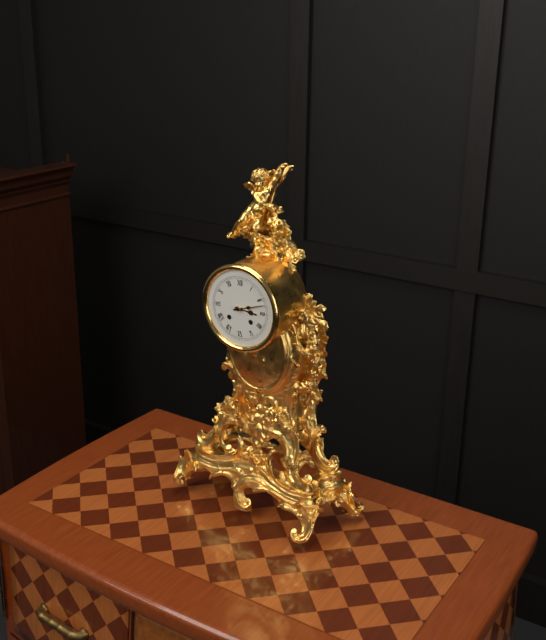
3.12
